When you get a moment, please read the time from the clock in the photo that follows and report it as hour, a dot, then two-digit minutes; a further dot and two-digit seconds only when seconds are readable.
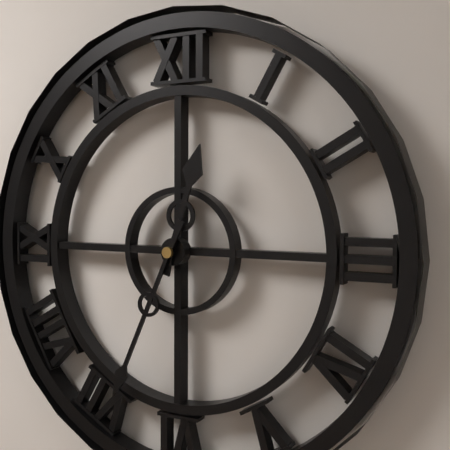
12.34
